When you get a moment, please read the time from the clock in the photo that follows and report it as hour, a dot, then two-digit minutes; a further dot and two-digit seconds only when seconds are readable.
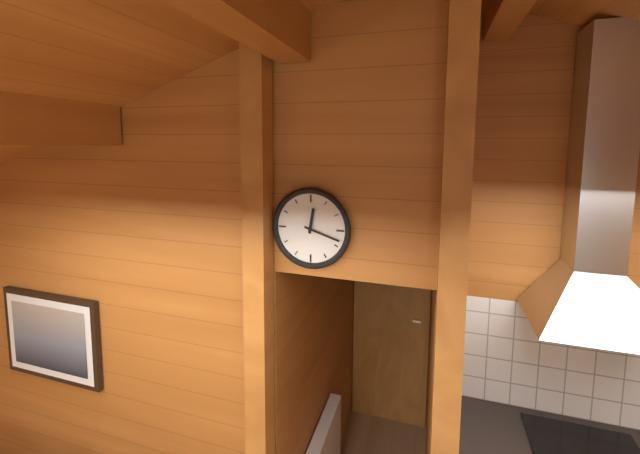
12.18
